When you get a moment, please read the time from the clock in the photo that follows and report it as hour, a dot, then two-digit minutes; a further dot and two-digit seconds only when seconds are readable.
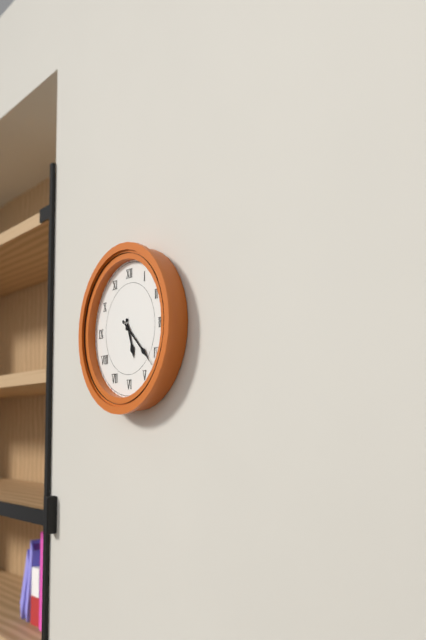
5.22.22
